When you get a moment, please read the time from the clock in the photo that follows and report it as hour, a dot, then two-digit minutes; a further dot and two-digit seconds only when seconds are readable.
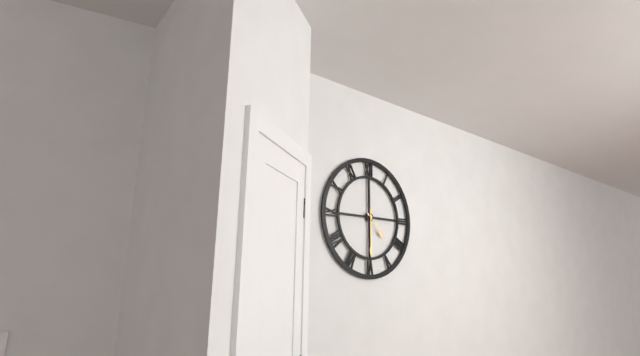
4.30
